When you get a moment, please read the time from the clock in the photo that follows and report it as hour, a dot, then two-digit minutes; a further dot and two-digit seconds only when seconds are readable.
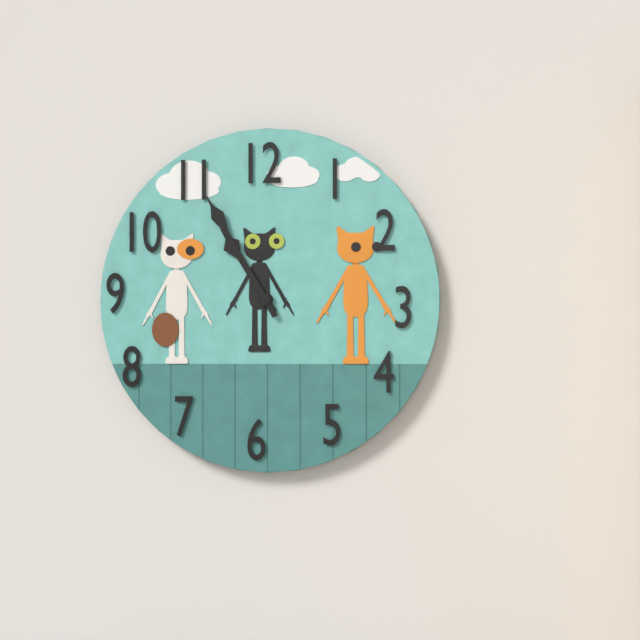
10.55
